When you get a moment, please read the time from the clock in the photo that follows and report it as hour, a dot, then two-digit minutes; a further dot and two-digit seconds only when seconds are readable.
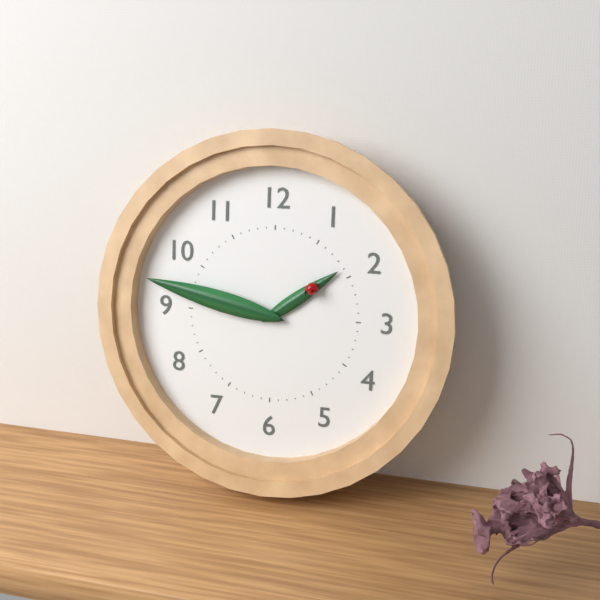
1.47
